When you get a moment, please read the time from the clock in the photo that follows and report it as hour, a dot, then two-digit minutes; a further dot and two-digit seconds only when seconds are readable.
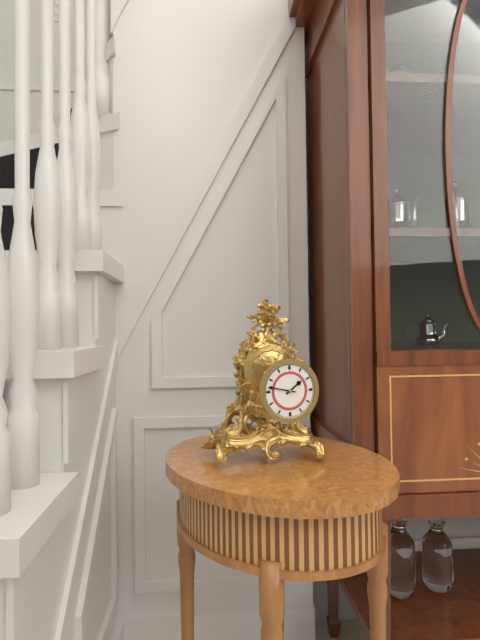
1.47
